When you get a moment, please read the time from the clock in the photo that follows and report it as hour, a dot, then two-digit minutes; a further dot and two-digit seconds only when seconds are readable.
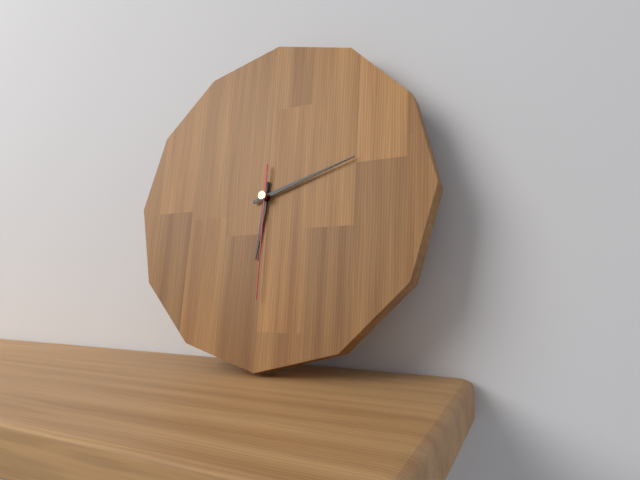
6.12.30
